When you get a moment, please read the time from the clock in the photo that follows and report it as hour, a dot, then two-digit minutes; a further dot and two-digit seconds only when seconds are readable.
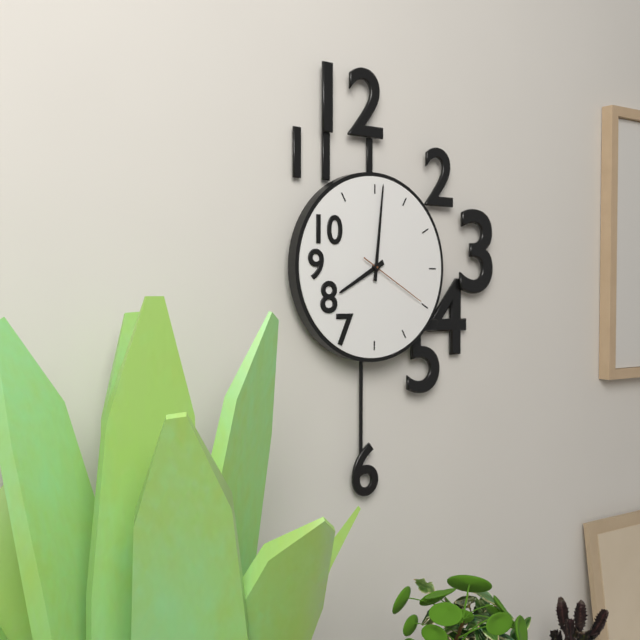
8.01.20
